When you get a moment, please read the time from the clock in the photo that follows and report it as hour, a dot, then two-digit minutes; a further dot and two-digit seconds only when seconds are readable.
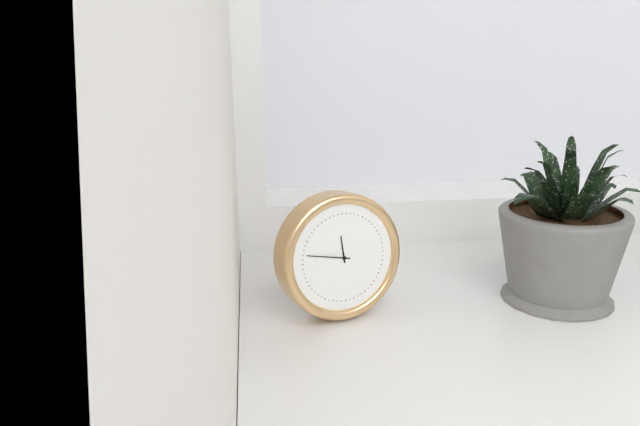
11.47
